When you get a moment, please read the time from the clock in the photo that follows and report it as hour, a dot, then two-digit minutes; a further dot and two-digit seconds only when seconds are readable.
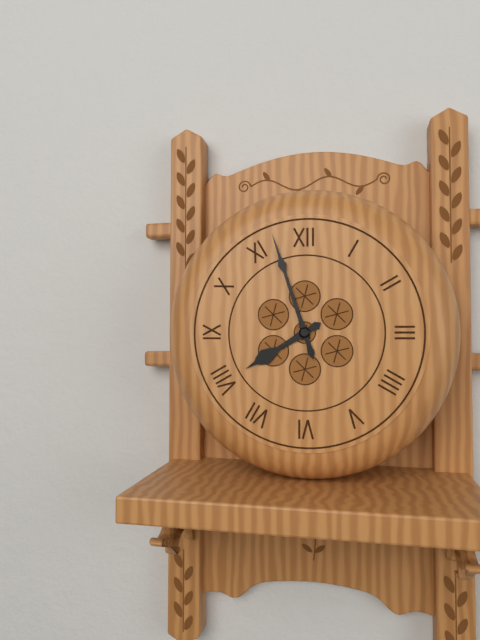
7.57
